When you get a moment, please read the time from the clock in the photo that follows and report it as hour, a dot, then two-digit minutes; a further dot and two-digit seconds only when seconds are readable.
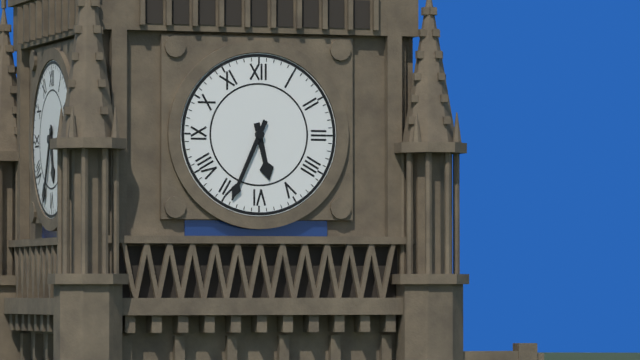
5.34
